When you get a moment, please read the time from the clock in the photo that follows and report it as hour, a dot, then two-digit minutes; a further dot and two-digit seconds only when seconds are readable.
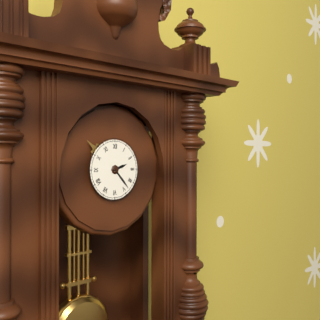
2.23
